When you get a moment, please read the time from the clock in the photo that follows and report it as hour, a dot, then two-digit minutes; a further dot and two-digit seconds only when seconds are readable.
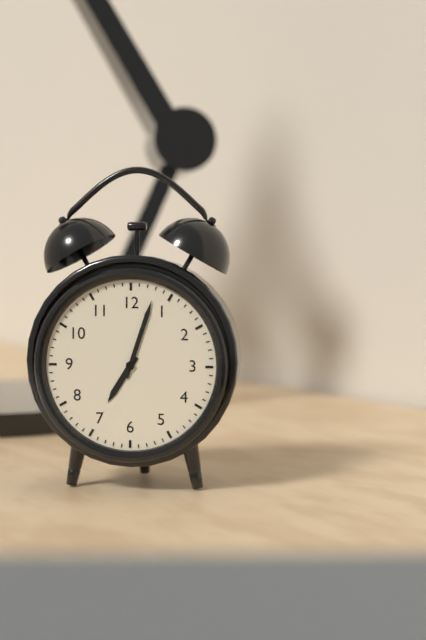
7.03
